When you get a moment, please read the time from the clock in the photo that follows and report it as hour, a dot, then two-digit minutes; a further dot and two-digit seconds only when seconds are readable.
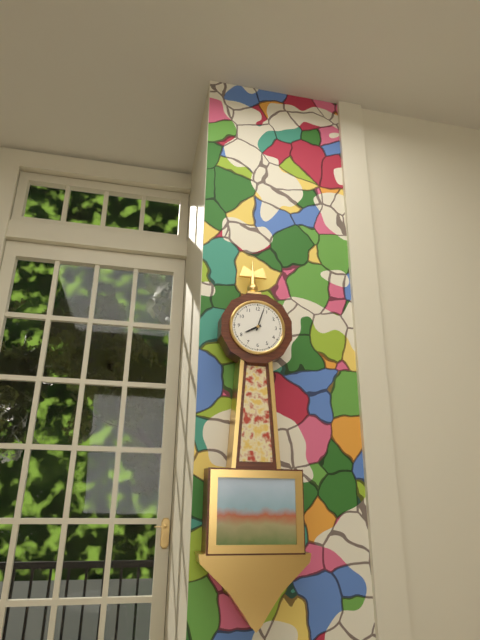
8.03
